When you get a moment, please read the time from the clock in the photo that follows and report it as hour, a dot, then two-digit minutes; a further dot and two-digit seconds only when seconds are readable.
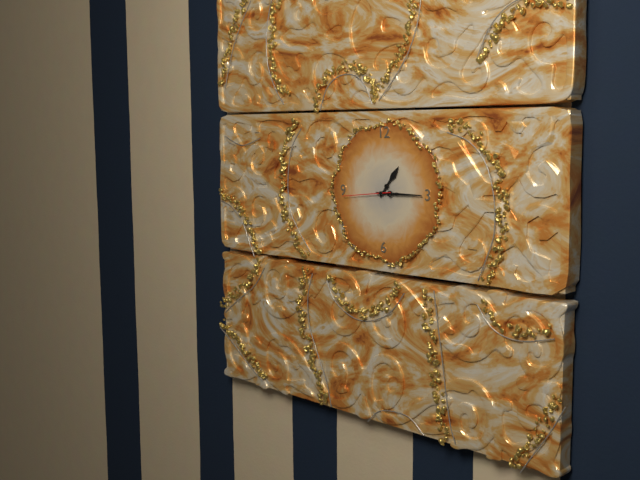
1.15.44
